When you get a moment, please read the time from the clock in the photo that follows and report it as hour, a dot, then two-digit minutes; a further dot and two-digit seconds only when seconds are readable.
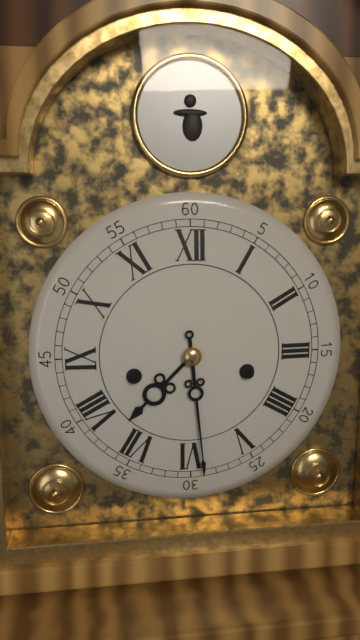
7.29
